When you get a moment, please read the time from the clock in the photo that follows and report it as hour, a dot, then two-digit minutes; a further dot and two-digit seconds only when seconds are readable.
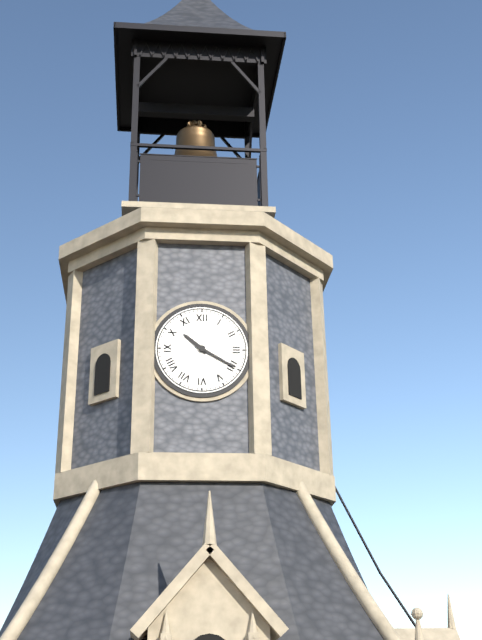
10.20
